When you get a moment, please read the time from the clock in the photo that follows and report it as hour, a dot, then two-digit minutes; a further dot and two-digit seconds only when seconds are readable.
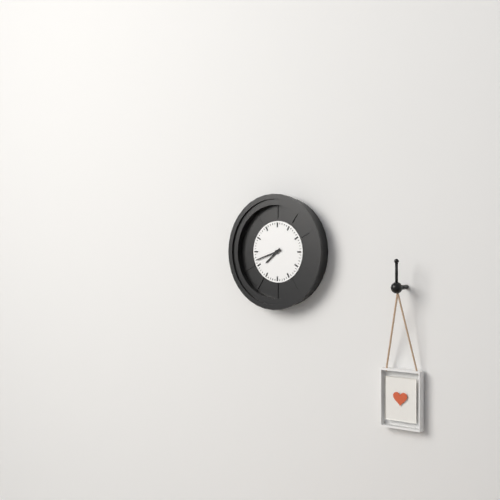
7.42
